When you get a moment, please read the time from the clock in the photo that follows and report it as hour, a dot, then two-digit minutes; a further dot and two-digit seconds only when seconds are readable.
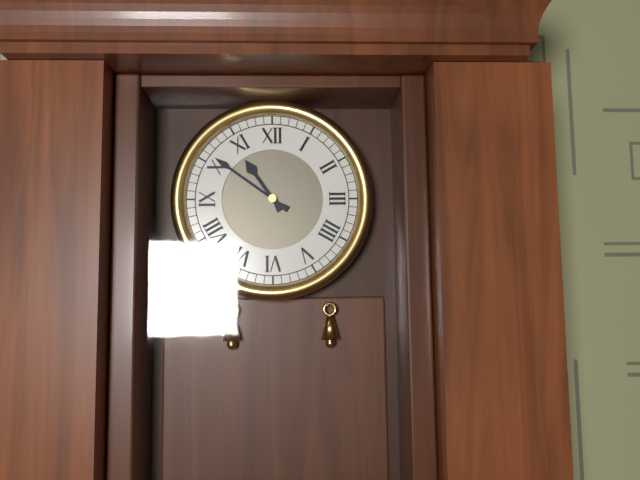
10.51
